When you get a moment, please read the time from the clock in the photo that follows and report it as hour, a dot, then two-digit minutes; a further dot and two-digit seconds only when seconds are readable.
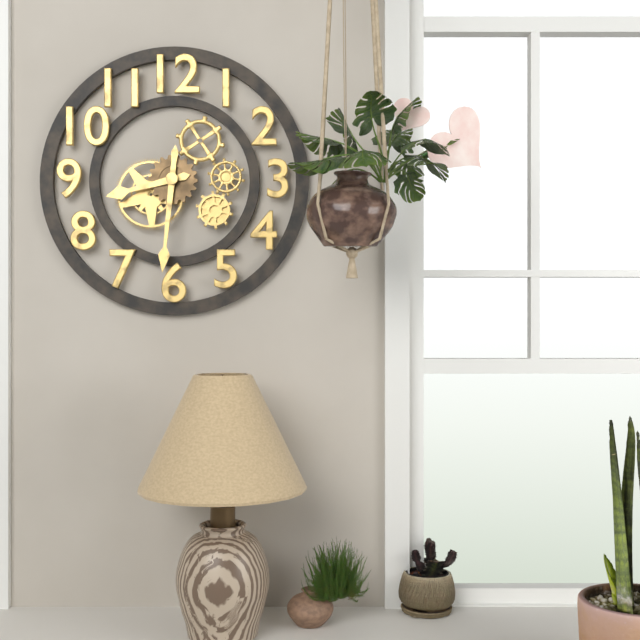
8.31
